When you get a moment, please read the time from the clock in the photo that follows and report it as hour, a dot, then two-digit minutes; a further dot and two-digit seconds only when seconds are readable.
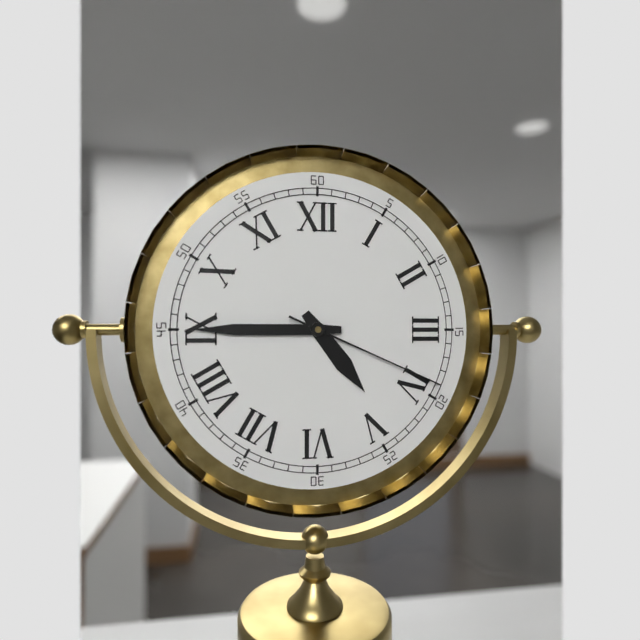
4.45.19
